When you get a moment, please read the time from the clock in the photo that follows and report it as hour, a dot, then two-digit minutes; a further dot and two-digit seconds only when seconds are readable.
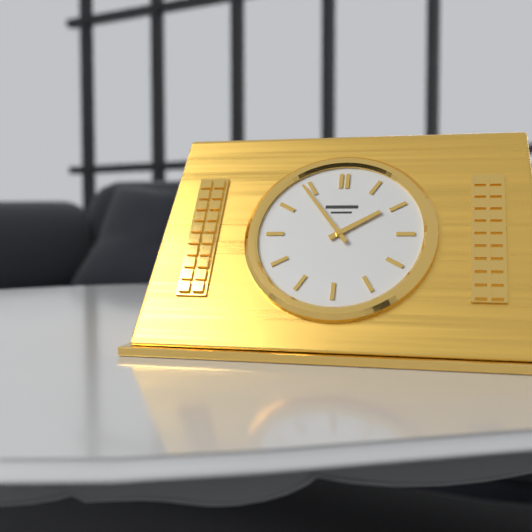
1.54
